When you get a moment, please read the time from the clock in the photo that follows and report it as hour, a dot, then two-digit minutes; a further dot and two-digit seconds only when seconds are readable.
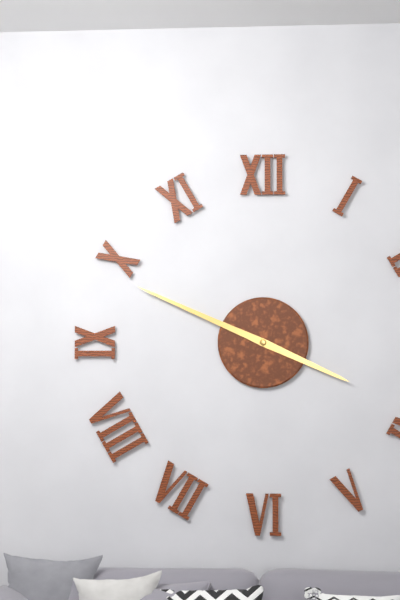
3.49
